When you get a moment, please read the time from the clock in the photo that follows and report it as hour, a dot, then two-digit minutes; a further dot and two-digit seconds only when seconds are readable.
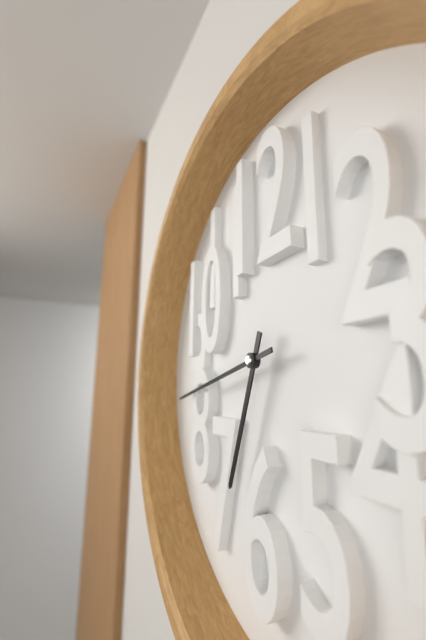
6.43
